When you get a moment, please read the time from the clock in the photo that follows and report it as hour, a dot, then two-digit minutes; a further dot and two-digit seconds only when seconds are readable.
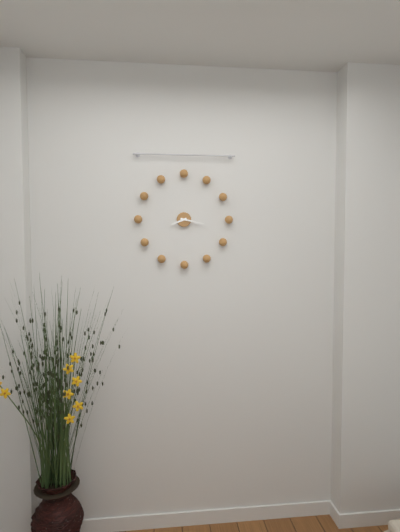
8.17
